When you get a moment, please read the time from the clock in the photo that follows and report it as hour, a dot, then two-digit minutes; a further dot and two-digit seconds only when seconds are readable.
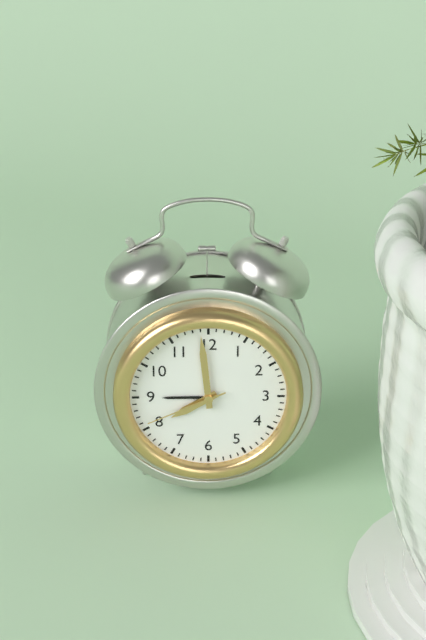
7.59.41
